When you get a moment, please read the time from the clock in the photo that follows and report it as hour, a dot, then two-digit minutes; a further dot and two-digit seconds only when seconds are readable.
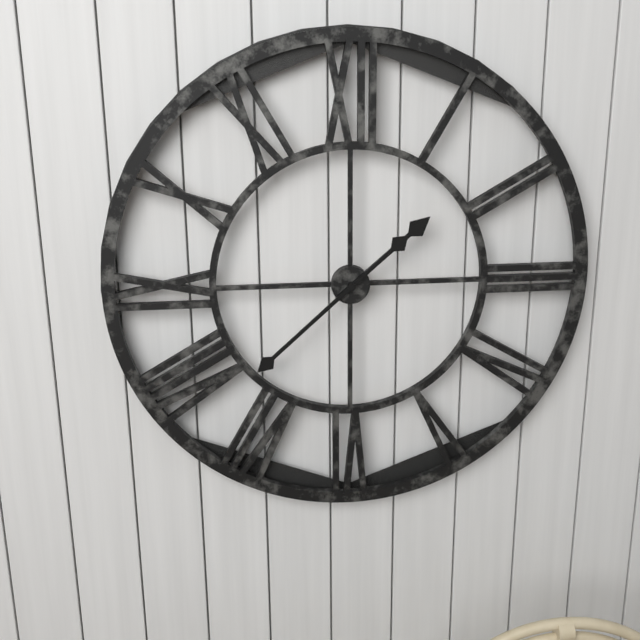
1.38
